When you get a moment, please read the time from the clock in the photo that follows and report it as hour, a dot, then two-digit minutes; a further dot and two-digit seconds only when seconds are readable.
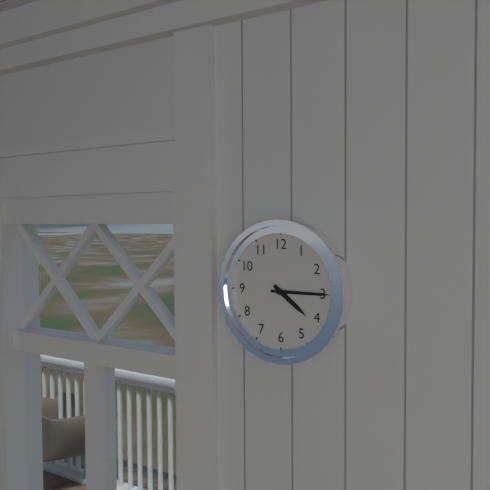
4.15
